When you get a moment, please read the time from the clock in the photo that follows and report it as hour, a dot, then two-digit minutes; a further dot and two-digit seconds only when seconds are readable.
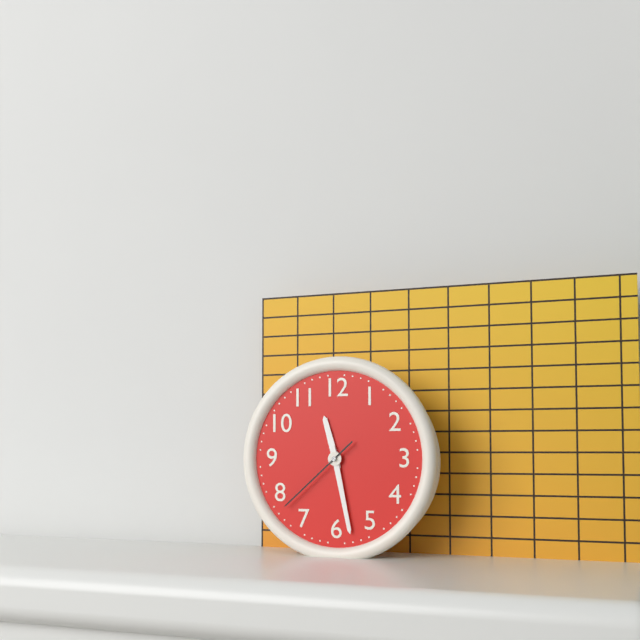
11.28.38
